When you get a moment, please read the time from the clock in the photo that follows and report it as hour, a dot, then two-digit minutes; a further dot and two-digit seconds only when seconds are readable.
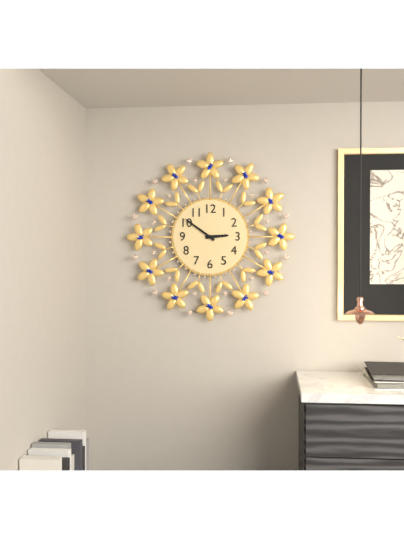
2.51
